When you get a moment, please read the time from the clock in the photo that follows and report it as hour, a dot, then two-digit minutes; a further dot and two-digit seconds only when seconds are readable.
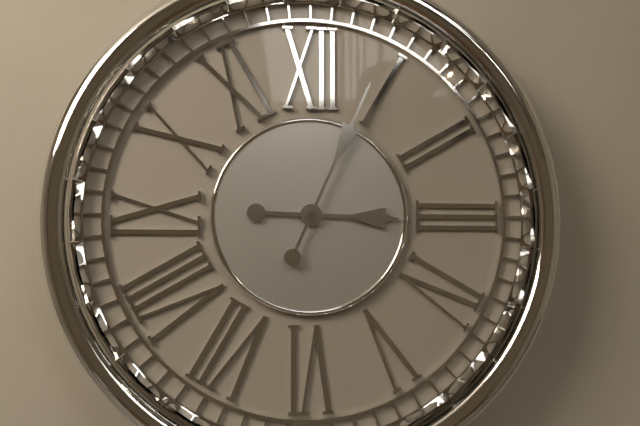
3.04
